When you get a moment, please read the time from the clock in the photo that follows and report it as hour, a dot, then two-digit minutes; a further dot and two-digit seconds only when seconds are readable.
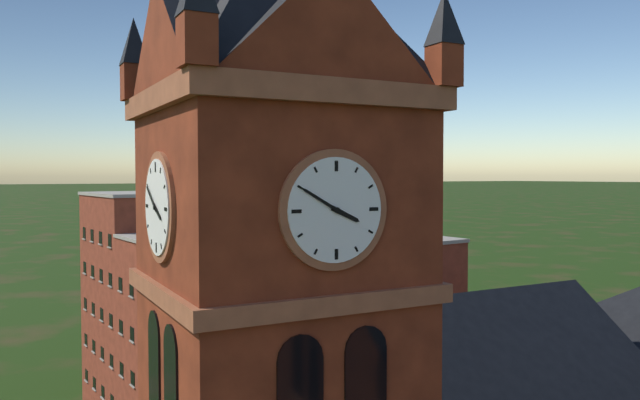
3.50
